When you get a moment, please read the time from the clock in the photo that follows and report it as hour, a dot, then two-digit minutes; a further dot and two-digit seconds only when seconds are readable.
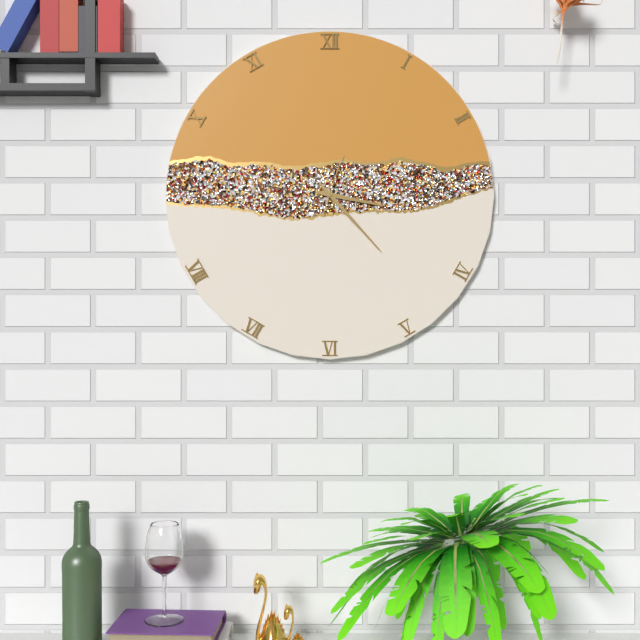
3.23.03
